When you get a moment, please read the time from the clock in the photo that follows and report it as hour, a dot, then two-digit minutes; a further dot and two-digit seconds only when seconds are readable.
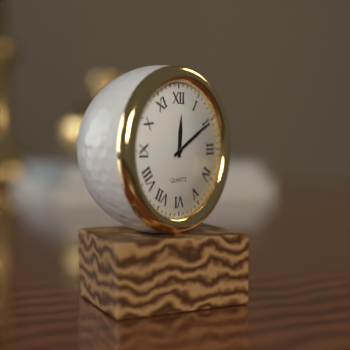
12.10
